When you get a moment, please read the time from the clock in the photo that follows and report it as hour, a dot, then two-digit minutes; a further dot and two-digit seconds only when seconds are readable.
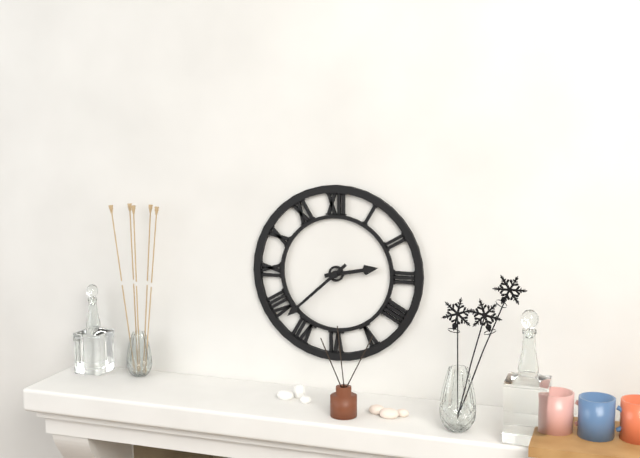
2.38
